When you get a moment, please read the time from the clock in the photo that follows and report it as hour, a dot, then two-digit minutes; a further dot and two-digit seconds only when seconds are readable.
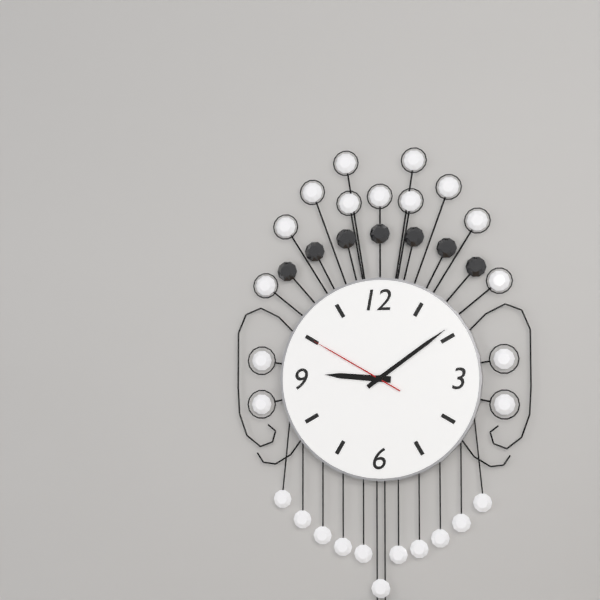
9.09.50
